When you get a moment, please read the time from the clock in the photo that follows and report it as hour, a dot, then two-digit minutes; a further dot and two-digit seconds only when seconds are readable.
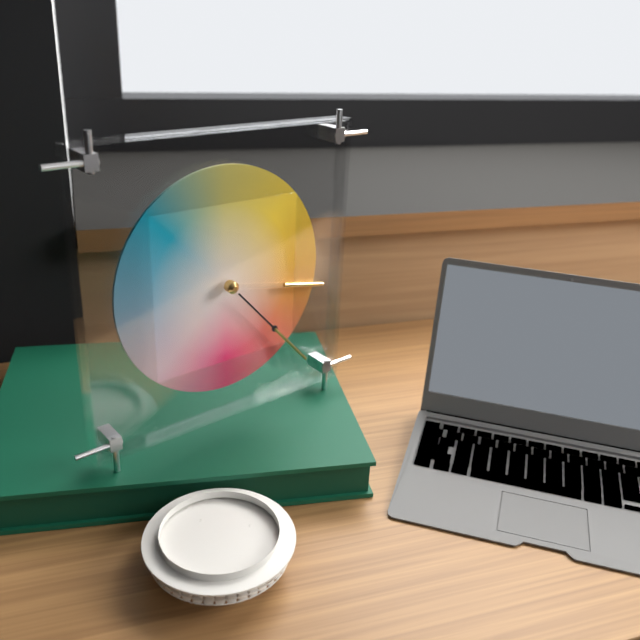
3.23
